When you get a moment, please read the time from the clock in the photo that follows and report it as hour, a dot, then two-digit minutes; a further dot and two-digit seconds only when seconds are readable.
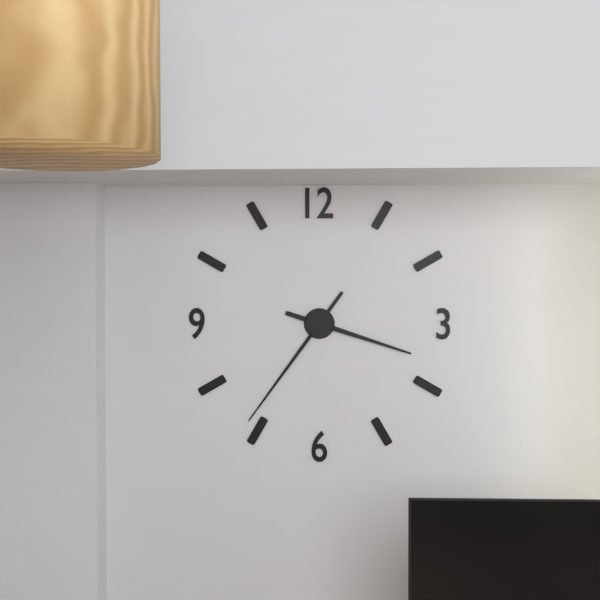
3.36
